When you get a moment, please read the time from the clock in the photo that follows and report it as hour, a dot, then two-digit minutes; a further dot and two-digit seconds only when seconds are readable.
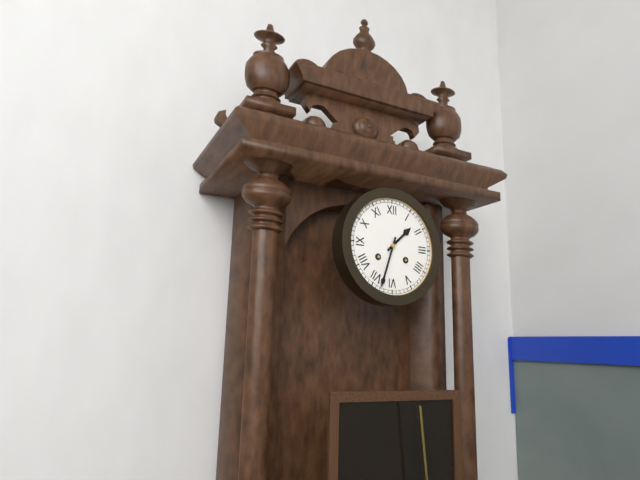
1.33
